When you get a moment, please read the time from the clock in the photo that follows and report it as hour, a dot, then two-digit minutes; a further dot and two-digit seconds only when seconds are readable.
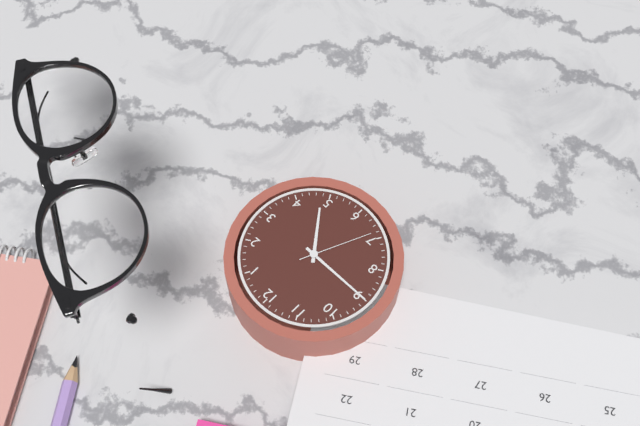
4.45.34
